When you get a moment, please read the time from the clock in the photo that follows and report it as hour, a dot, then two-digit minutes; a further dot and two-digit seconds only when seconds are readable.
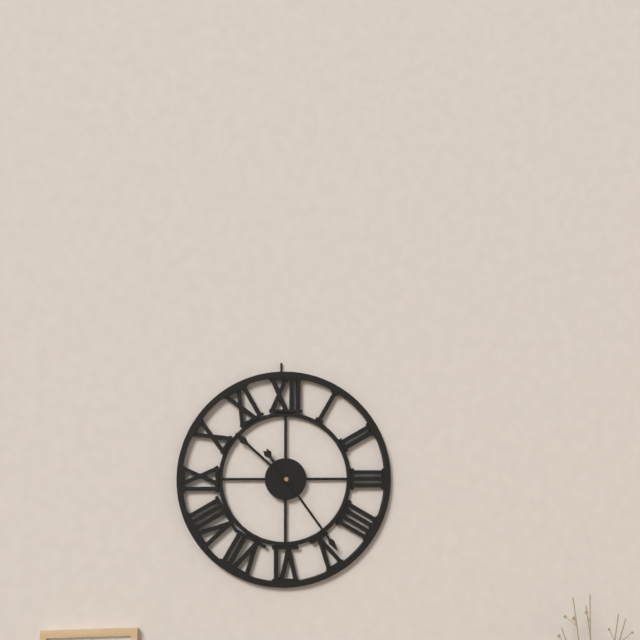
10.24
